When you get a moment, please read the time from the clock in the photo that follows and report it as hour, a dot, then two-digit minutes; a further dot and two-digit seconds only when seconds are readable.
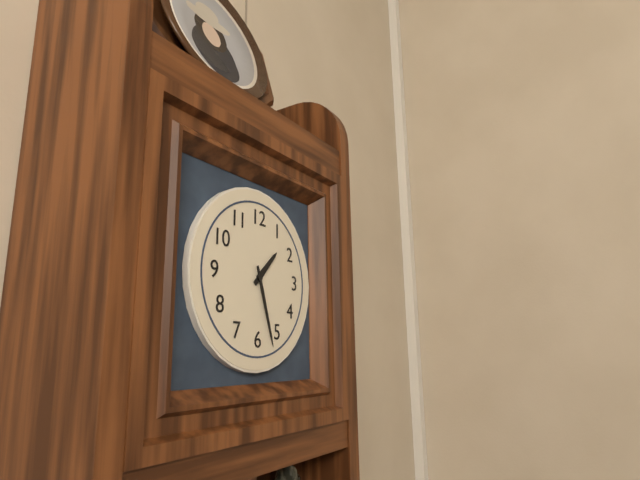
1.27
